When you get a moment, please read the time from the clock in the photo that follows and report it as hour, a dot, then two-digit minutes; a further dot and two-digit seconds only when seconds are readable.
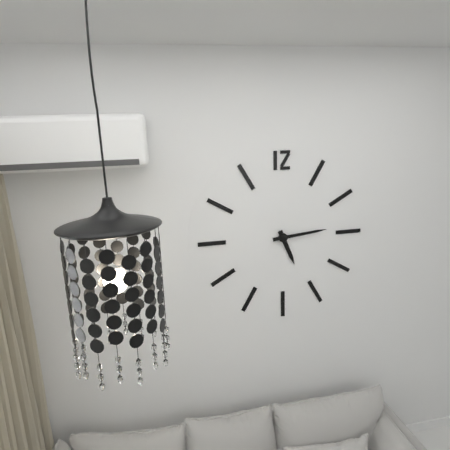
5.14
